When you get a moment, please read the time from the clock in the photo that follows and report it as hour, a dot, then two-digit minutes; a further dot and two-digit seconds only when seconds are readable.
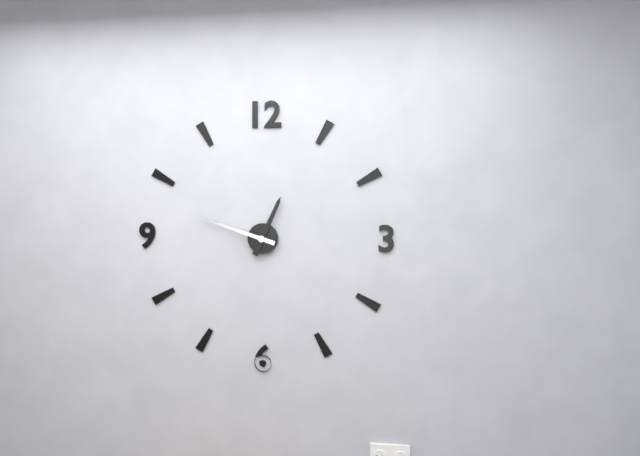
12.48
